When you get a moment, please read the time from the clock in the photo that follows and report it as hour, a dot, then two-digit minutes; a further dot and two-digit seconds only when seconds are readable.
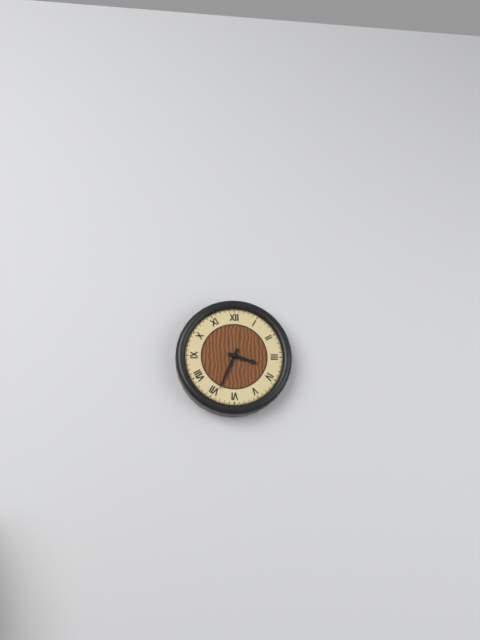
3.34
